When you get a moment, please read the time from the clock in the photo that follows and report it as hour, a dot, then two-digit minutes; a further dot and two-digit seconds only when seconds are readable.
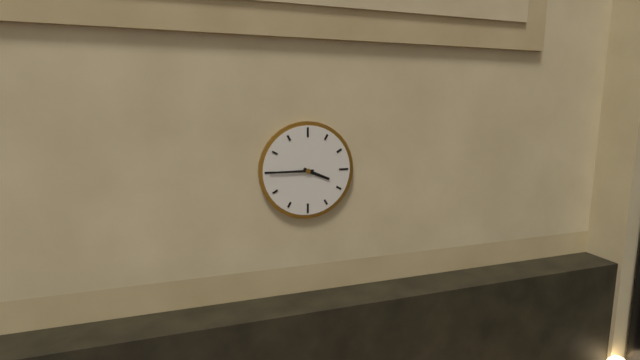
3.45
